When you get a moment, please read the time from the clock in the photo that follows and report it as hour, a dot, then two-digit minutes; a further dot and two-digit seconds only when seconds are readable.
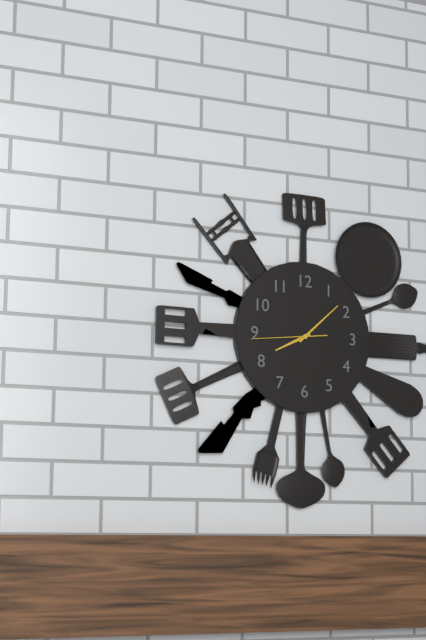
8.08.44
